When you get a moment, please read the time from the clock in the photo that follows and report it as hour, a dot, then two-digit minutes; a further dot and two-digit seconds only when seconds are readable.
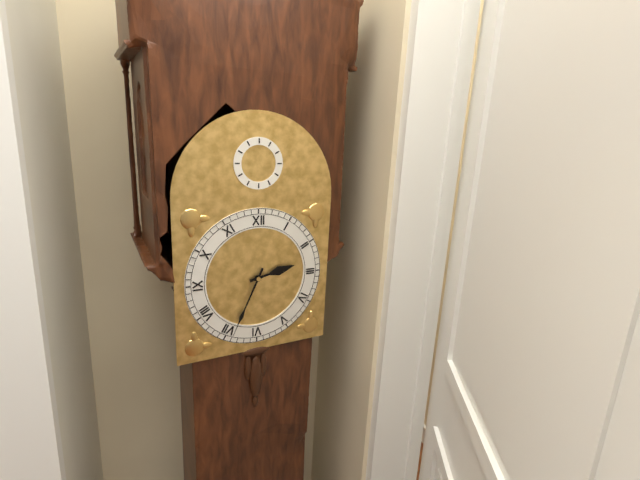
2.34
